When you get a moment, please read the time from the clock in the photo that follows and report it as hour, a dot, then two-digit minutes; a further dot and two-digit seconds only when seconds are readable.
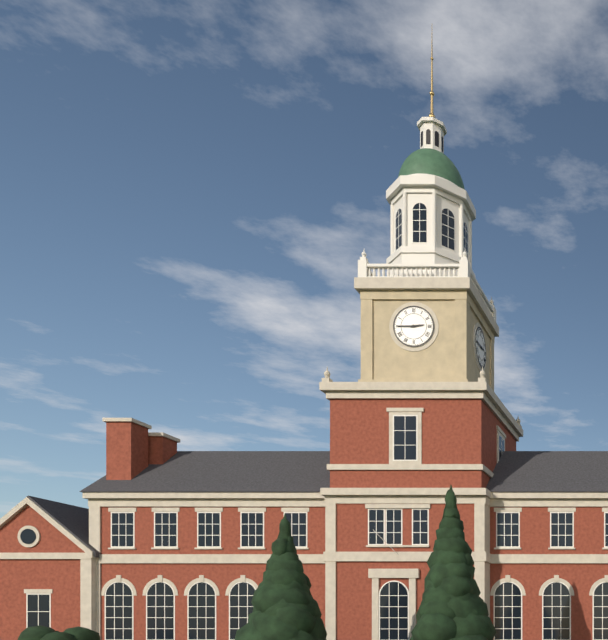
2.45
